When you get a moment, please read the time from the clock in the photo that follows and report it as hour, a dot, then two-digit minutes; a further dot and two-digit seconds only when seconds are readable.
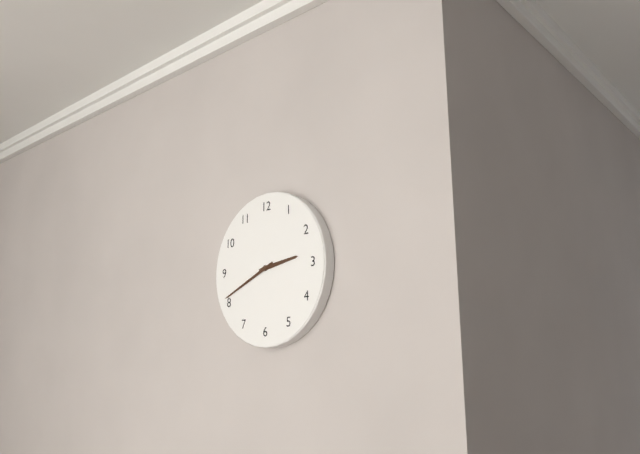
2.41
